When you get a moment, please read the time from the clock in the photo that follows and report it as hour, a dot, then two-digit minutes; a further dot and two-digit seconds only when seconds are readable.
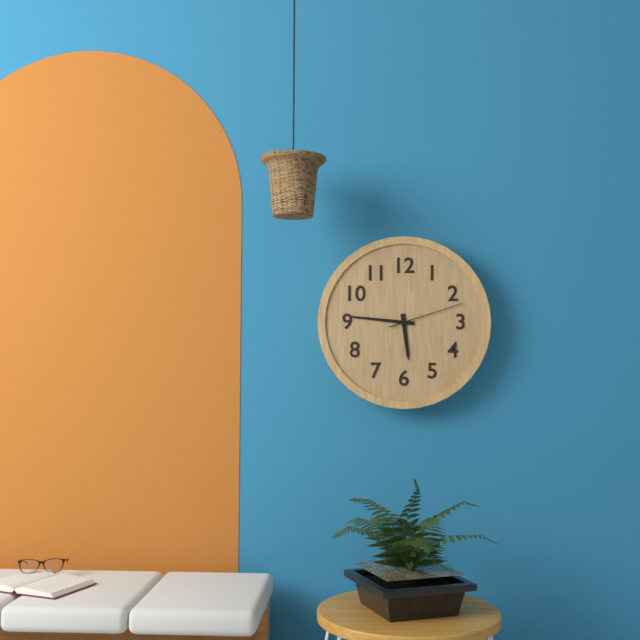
5.46.12
